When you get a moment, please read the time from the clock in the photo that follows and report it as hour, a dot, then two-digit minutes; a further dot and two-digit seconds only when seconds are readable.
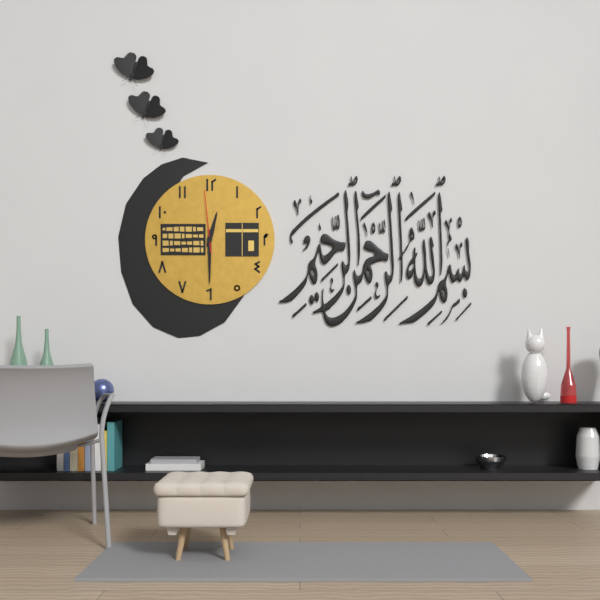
12.30.59
